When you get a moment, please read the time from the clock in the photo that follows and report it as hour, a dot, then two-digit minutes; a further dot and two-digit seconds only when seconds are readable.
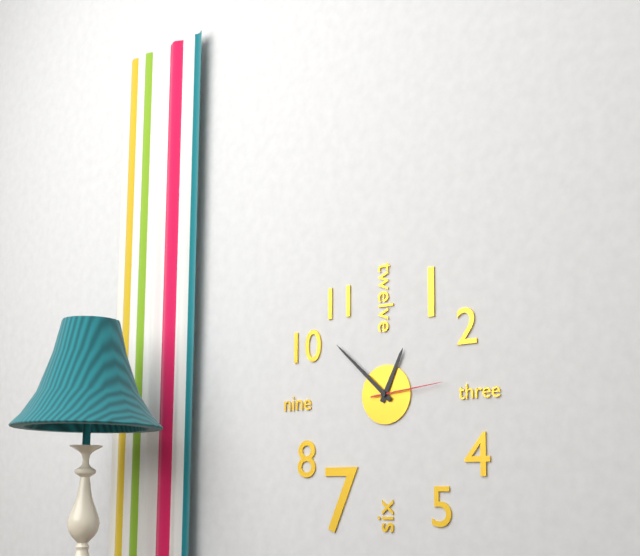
12.52.14
